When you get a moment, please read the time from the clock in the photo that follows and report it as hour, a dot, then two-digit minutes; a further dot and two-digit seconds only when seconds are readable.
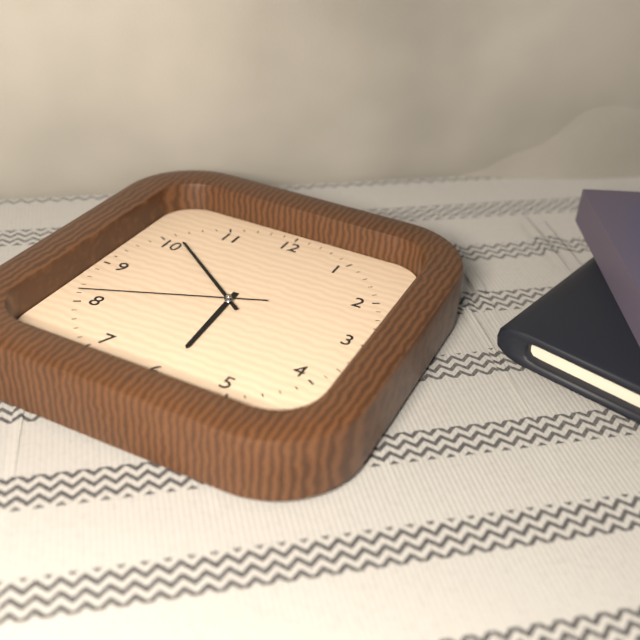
5.51.41
